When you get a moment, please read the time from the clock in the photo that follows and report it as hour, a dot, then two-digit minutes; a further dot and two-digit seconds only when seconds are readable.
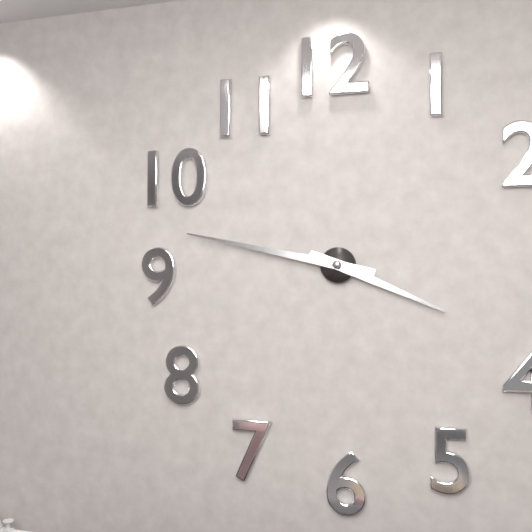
3.47
